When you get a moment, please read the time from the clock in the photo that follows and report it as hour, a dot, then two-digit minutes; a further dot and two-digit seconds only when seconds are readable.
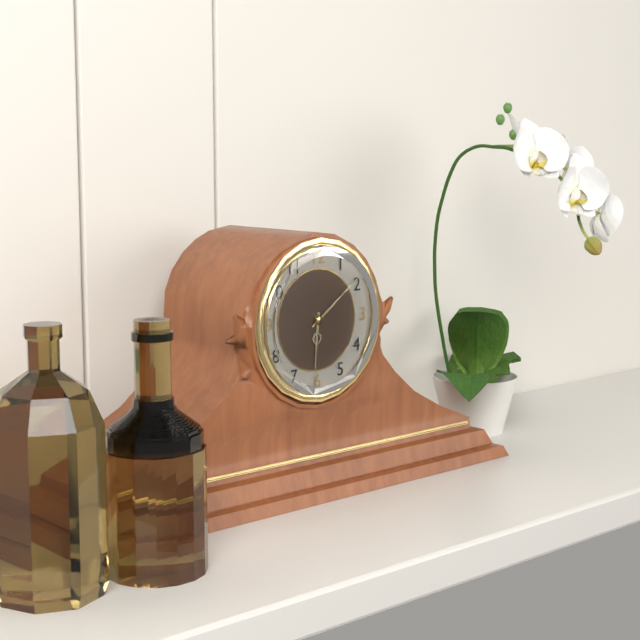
6.09
